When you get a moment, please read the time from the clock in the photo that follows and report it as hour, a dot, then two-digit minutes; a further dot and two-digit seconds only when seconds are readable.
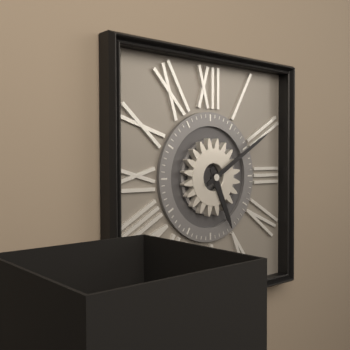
5.10
